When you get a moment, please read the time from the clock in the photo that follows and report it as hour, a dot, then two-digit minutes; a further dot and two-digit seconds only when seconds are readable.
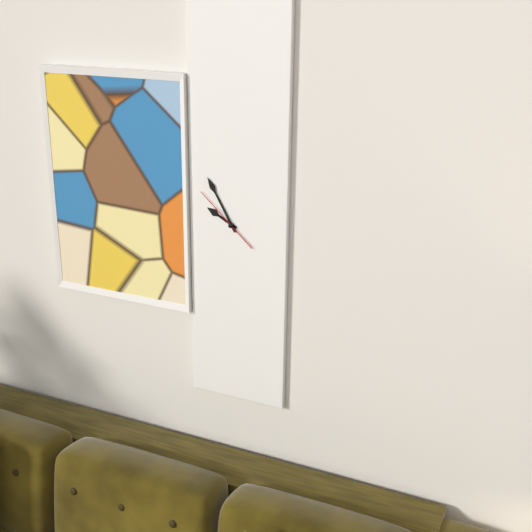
9.55.52
